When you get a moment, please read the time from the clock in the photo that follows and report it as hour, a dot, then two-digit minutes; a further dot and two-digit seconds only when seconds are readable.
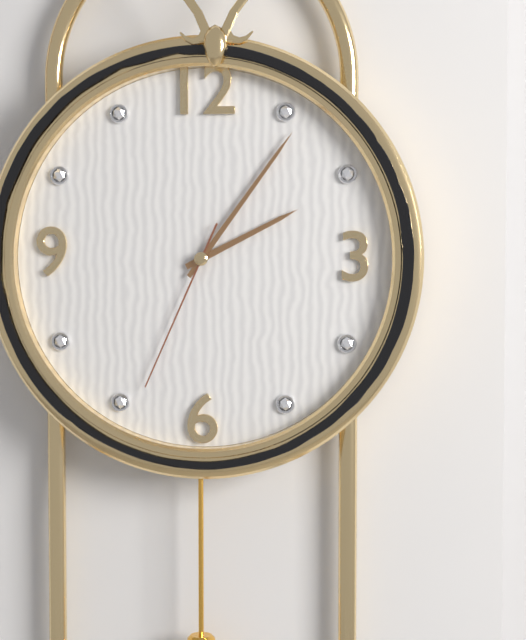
2.06.34
